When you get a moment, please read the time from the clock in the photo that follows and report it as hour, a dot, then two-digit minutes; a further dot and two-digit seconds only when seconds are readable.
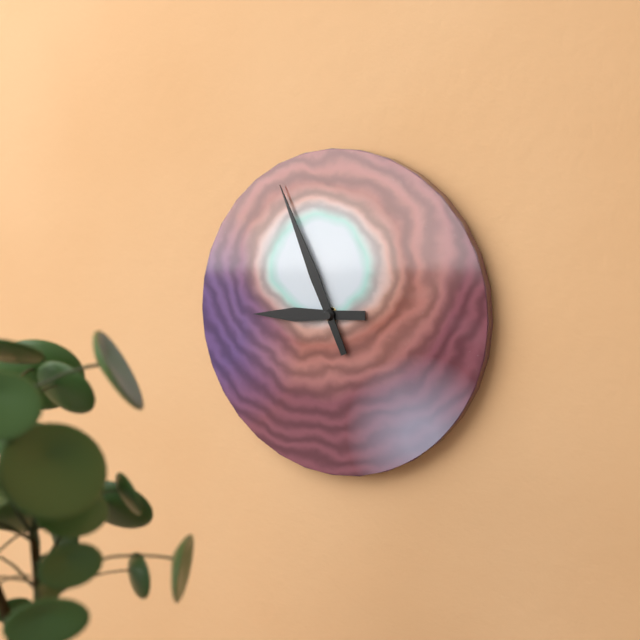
8.56
